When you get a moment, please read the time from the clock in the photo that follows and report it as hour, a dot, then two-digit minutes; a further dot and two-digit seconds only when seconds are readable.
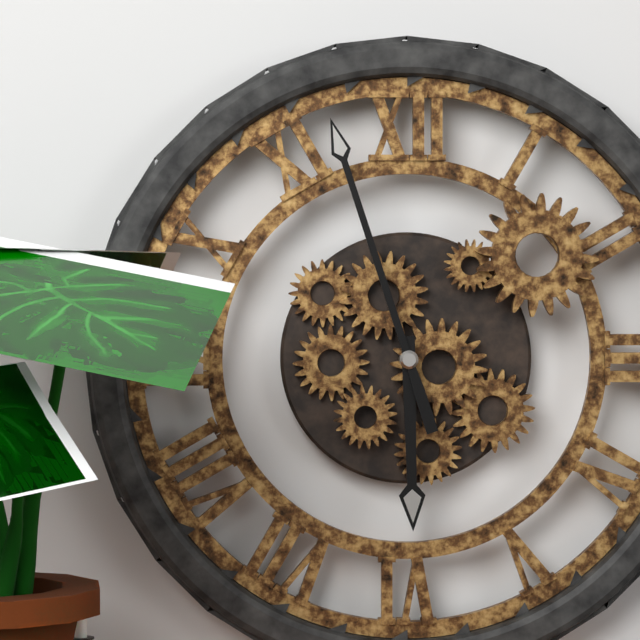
5.57
